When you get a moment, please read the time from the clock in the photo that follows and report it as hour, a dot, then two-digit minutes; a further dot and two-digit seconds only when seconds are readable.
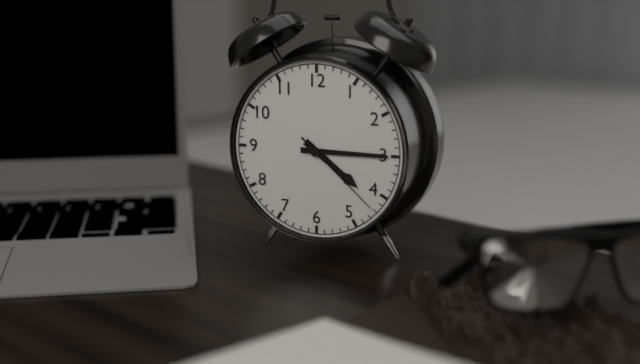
4.15.22
